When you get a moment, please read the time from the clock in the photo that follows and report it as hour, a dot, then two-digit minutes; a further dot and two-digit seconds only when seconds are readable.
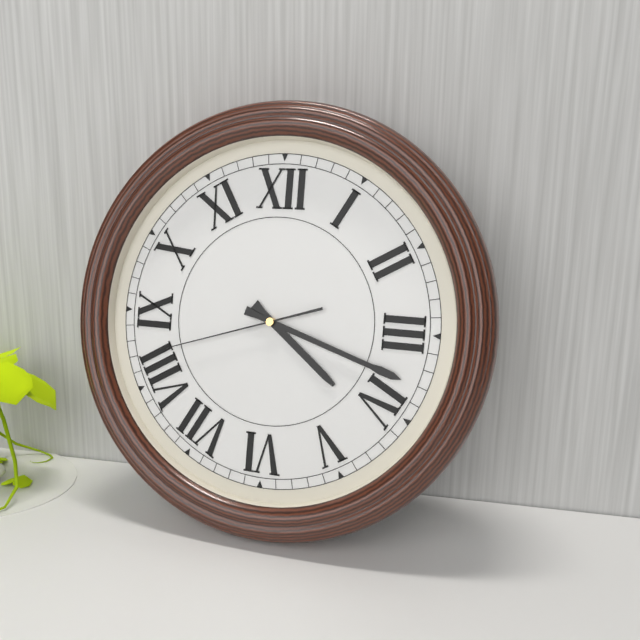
4.18.42
